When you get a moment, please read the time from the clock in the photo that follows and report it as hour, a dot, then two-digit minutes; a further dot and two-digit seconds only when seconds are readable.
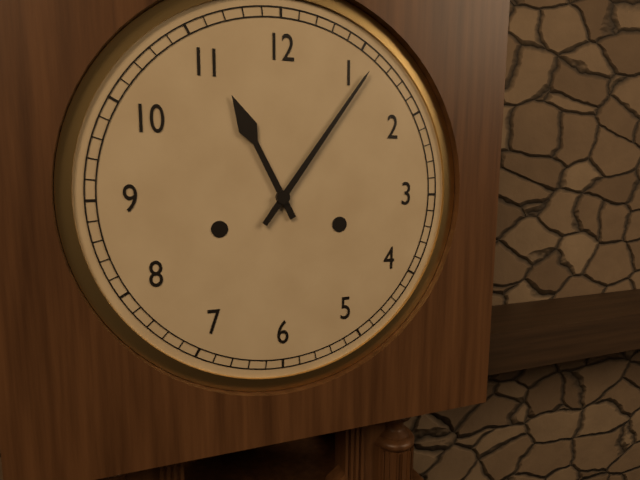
11.06
